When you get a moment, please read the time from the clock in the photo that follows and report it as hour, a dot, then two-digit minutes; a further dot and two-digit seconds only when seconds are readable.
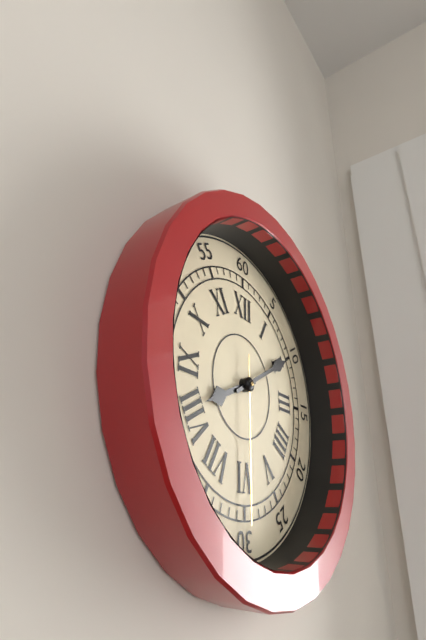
8.10.30
